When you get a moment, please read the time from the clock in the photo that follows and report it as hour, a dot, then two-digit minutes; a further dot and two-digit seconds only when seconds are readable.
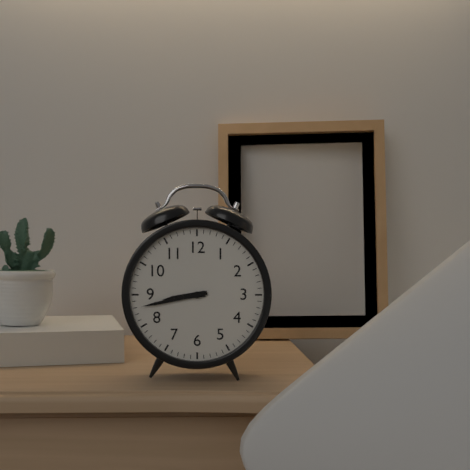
8.43
